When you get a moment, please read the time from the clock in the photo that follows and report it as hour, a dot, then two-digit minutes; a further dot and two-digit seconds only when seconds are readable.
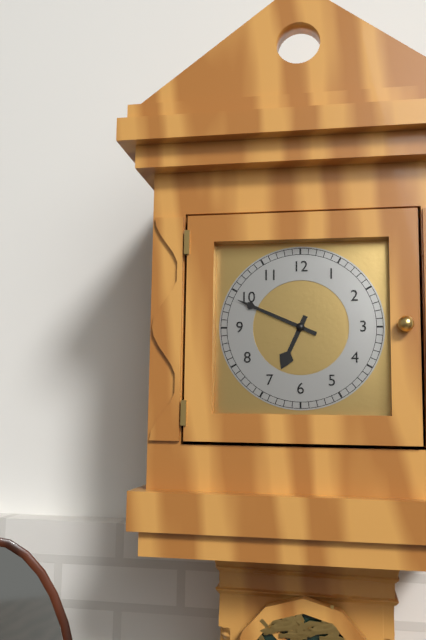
6.49
